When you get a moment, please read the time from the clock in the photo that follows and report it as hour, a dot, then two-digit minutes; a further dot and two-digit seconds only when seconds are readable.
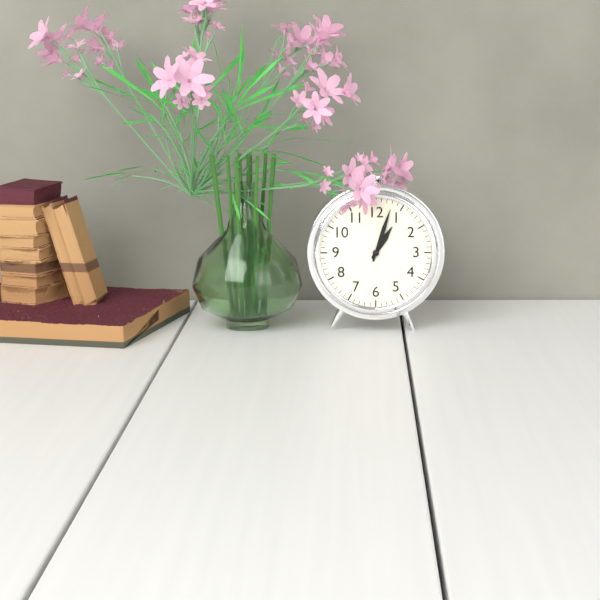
1.03
